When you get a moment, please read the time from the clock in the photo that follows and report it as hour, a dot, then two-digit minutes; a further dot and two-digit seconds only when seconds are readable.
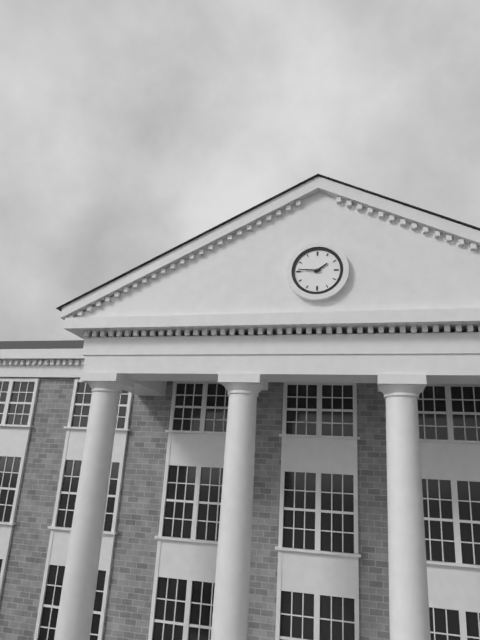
1.46
